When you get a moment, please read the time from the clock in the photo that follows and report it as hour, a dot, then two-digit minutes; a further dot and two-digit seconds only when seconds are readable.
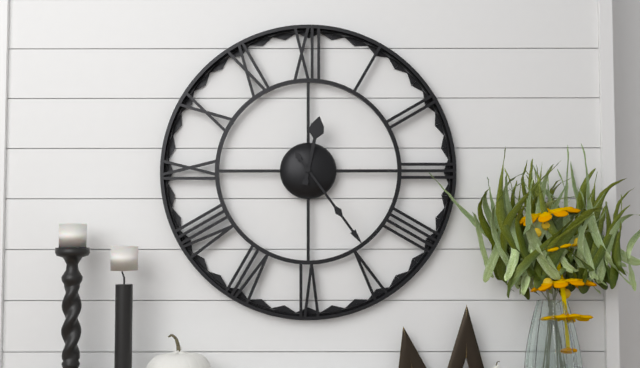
12.24
